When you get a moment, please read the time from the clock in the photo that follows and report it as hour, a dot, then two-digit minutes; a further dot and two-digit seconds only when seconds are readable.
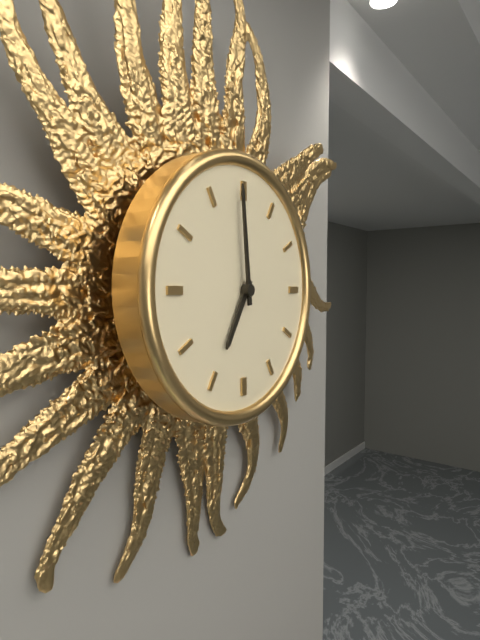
6.59
